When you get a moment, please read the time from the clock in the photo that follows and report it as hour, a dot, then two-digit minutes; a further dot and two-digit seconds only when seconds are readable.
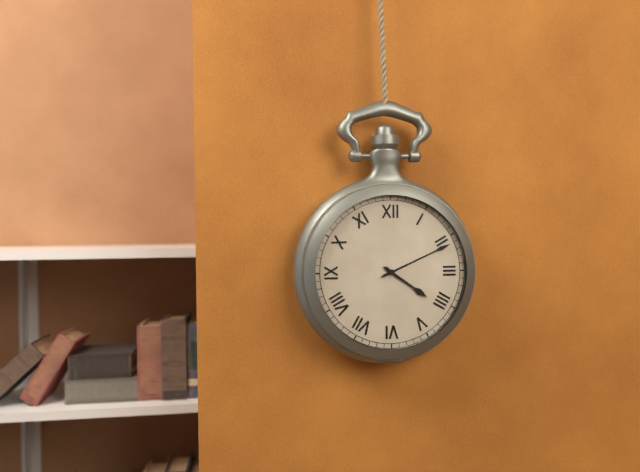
4.11
